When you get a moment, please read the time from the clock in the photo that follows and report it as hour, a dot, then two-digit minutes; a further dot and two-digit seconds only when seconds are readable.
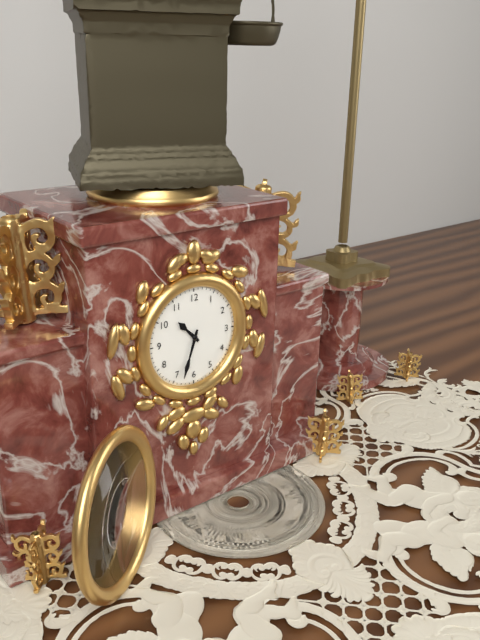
10.33
